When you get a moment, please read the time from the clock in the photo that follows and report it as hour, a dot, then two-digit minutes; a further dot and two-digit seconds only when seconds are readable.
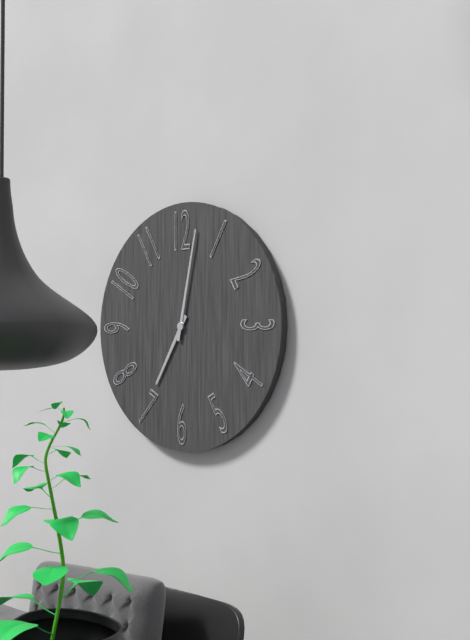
7.02
